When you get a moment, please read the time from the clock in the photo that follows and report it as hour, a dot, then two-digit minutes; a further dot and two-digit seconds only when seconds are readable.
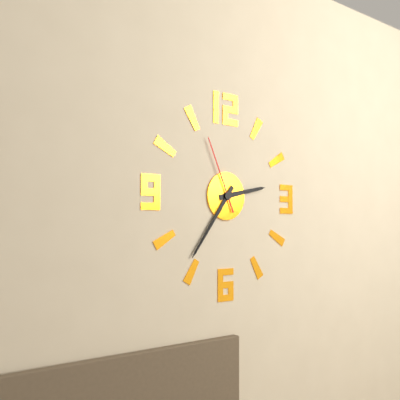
2.36.56
